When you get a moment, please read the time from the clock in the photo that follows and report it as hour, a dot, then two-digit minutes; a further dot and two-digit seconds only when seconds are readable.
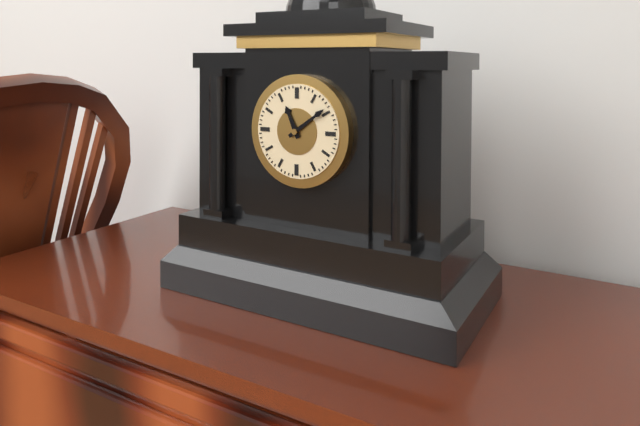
11.09
